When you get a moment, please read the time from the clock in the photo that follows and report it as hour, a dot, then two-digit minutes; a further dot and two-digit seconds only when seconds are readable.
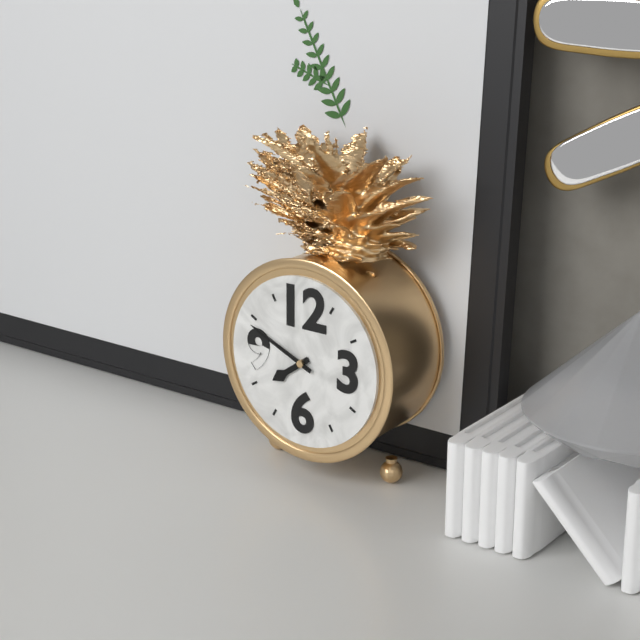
7.49
